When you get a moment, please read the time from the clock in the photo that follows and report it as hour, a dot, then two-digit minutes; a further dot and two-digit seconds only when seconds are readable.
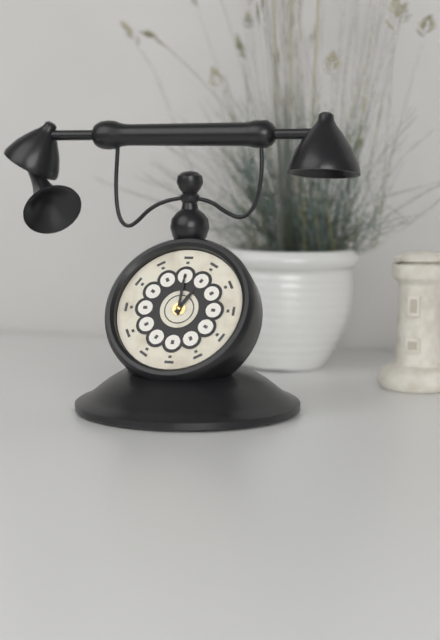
1.00
